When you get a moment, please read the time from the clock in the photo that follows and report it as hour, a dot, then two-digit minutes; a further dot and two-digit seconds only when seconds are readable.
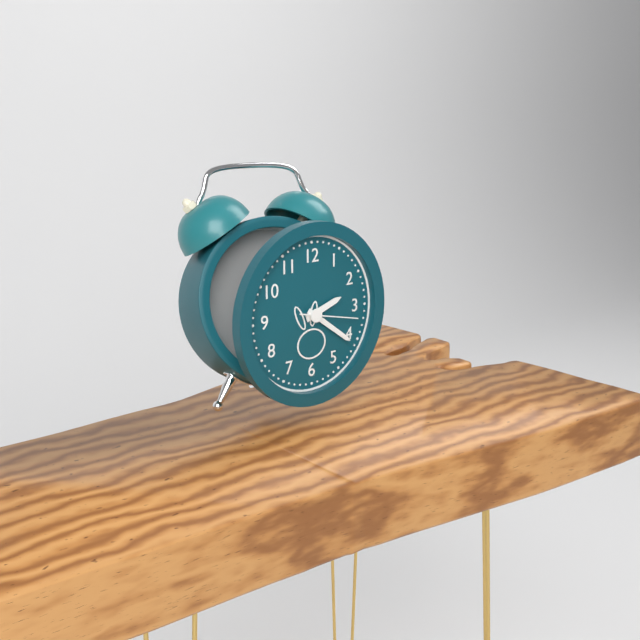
2.21.17
